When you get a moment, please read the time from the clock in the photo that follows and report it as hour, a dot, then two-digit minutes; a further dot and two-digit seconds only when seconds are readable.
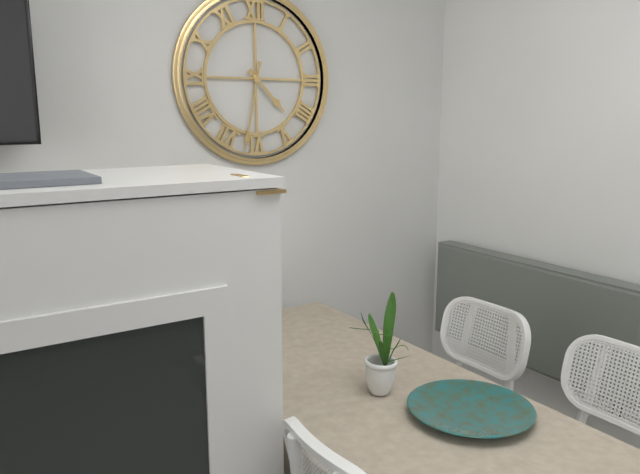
4.32
